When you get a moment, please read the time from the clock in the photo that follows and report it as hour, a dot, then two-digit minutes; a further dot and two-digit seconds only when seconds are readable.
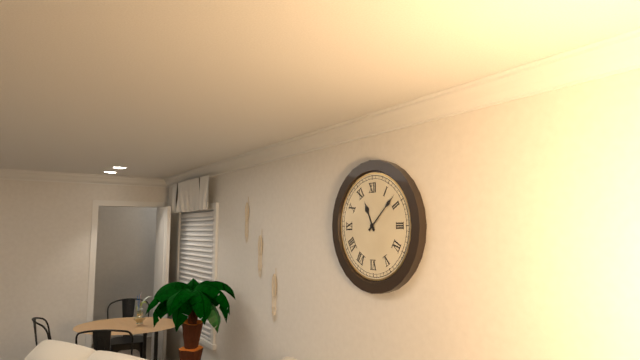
11.08
